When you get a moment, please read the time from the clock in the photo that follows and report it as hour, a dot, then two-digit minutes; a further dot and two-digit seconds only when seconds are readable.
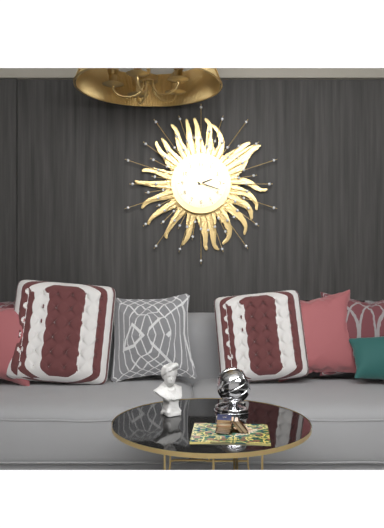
2.18
